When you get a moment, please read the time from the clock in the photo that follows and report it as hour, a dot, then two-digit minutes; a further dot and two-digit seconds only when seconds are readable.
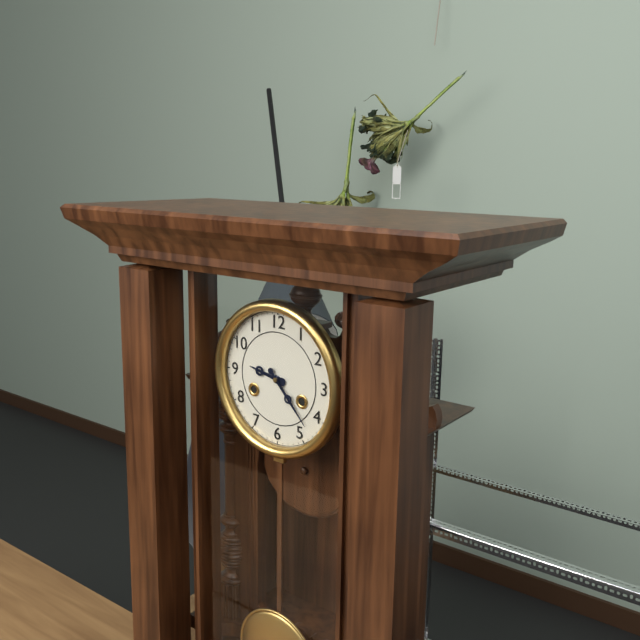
9.23
